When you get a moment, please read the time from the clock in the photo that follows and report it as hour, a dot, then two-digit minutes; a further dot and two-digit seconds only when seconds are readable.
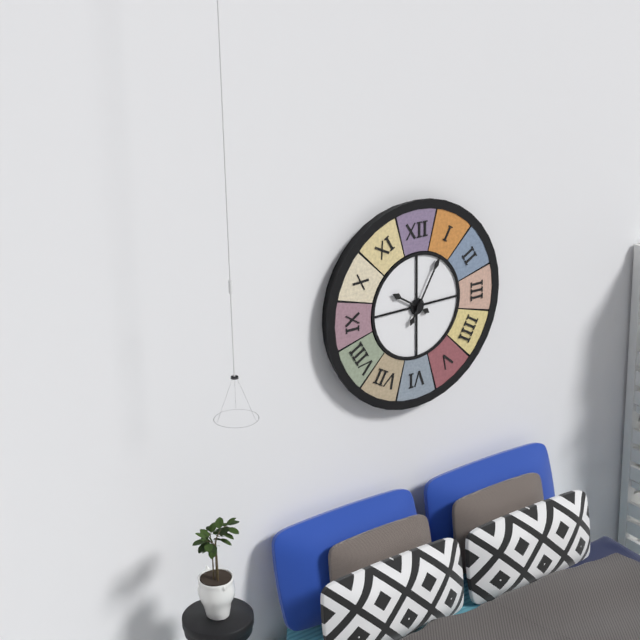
10.05
